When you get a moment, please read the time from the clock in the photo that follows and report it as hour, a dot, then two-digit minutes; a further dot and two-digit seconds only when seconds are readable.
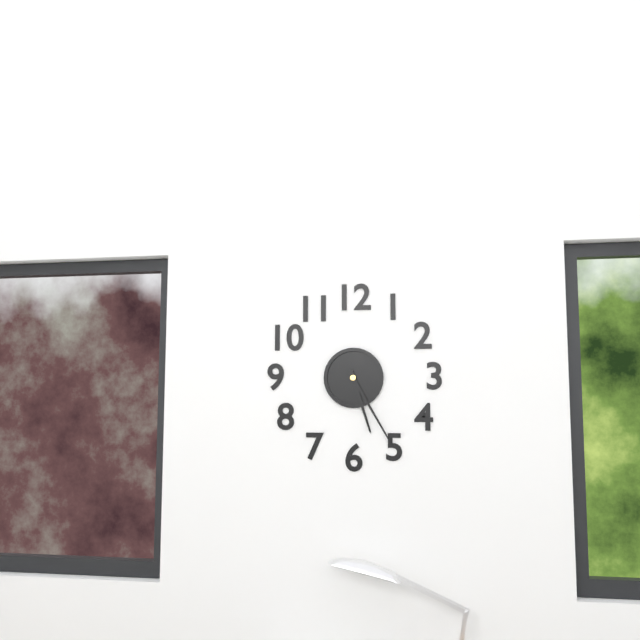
5.25
